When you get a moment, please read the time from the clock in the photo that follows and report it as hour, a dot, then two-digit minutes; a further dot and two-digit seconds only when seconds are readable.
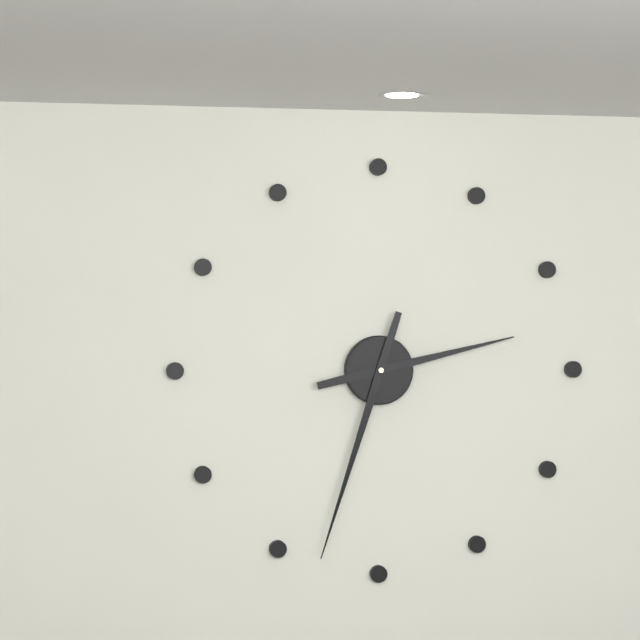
2.33
